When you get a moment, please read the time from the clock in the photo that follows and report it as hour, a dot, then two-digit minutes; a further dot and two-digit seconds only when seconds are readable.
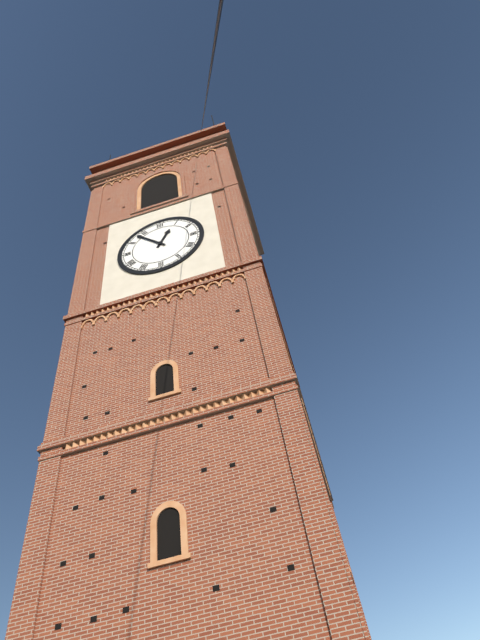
12.53
